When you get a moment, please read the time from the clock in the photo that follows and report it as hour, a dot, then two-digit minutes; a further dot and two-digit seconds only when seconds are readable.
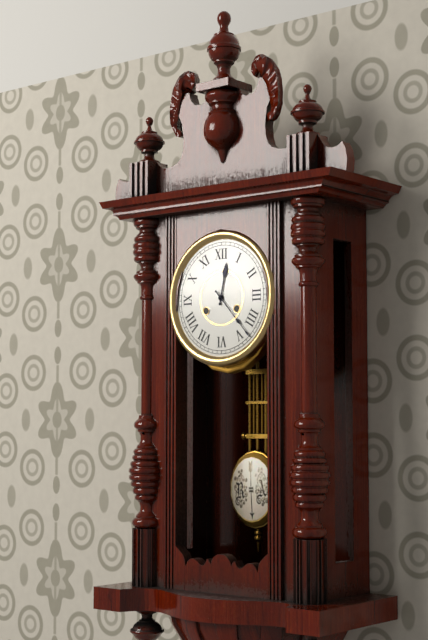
12.23
